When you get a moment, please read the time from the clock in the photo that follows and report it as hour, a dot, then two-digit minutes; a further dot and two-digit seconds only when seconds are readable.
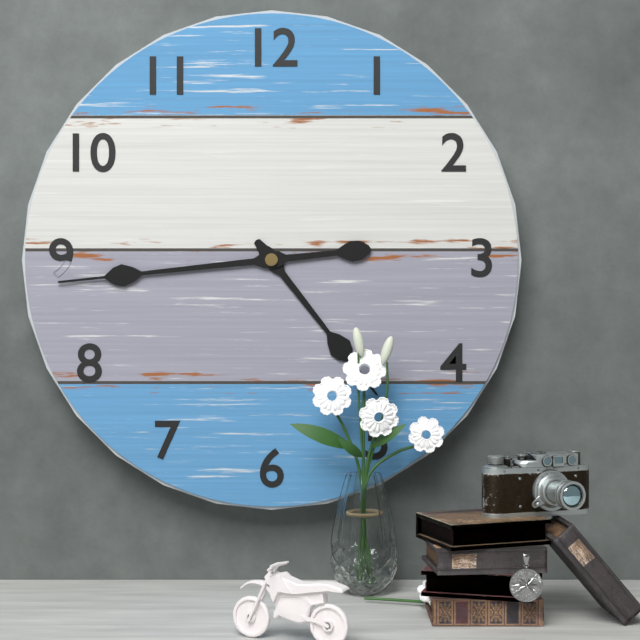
4.44
